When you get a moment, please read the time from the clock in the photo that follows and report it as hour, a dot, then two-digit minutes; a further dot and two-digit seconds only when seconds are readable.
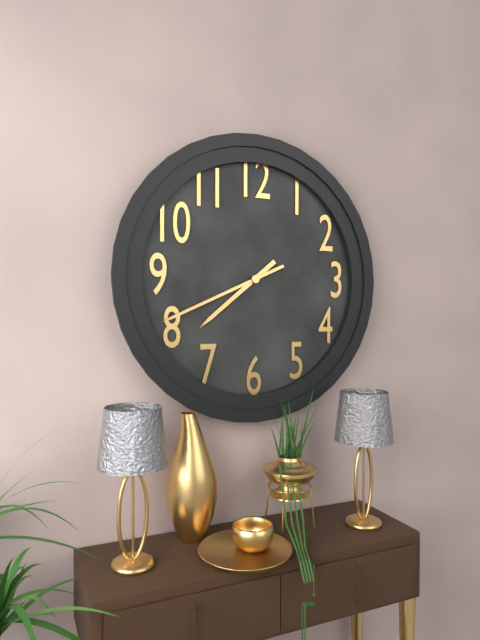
7.41
